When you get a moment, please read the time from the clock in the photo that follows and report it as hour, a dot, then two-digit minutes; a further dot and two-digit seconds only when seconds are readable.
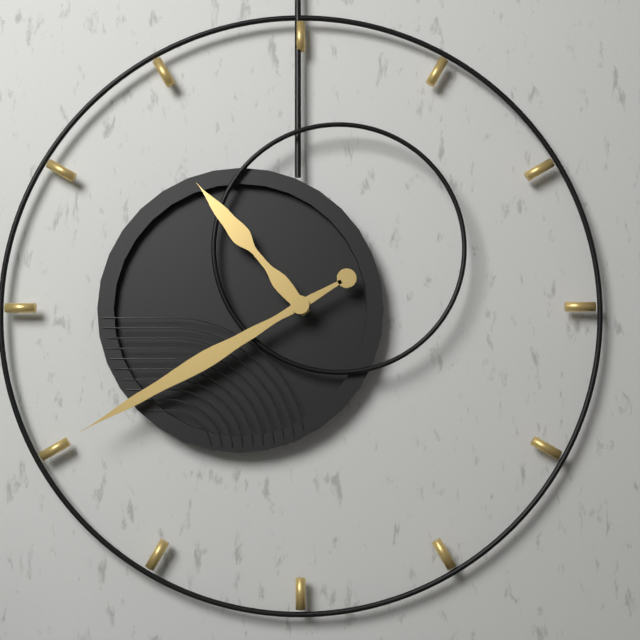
10.40
